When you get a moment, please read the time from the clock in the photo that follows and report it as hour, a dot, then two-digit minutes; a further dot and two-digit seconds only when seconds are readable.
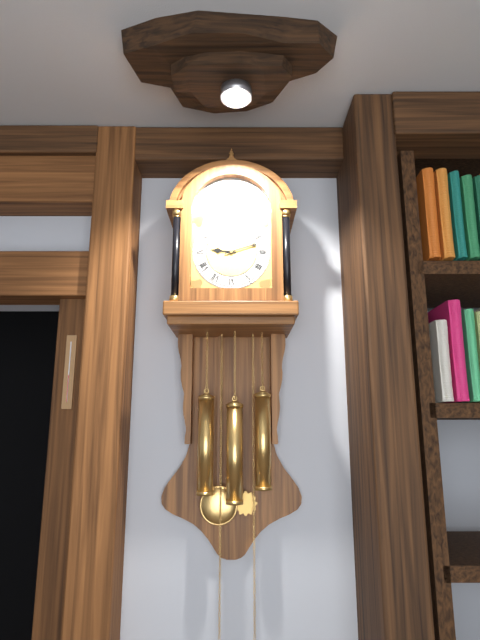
9.12
